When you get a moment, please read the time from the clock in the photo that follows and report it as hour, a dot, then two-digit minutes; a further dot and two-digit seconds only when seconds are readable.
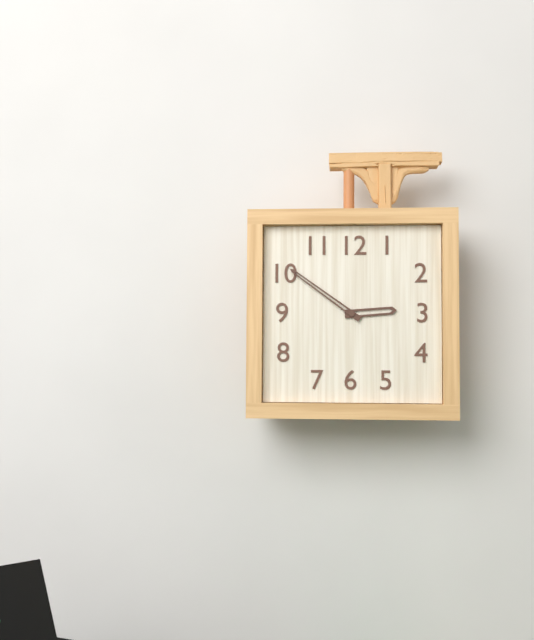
2.51
